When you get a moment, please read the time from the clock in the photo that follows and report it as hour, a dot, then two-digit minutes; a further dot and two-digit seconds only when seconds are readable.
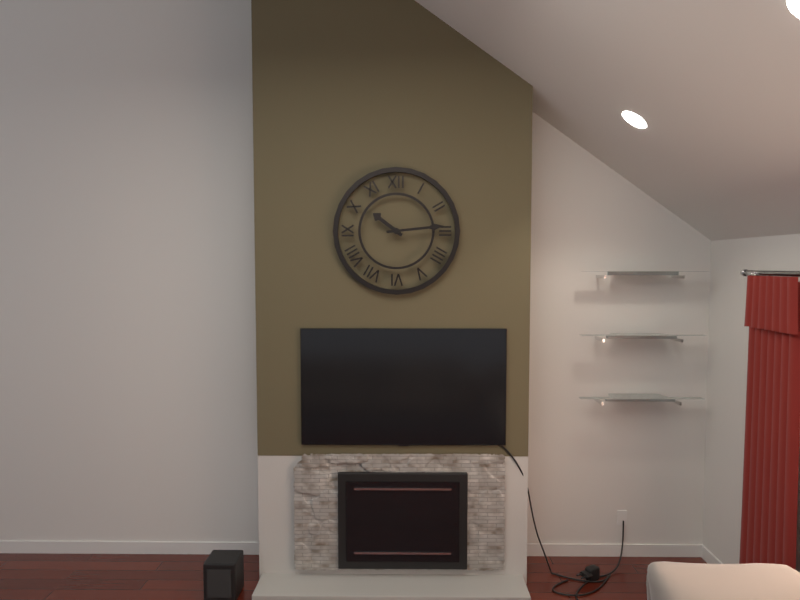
10.14
